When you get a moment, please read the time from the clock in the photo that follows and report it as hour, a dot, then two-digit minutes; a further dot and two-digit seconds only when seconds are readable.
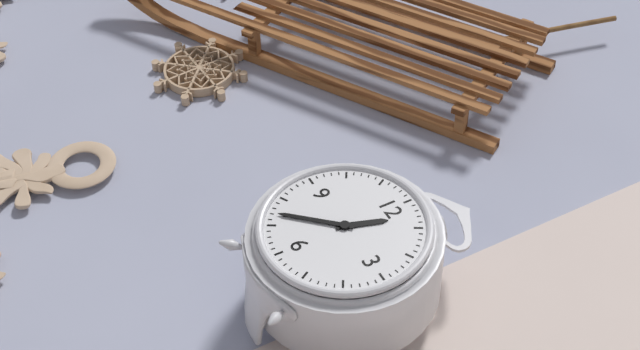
12.37
